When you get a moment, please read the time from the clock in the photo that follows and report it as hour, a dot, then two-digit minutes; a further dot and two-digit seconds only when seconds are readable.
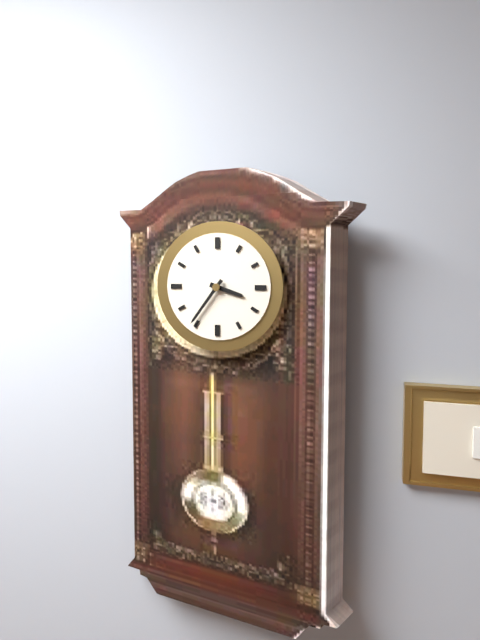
3.36
